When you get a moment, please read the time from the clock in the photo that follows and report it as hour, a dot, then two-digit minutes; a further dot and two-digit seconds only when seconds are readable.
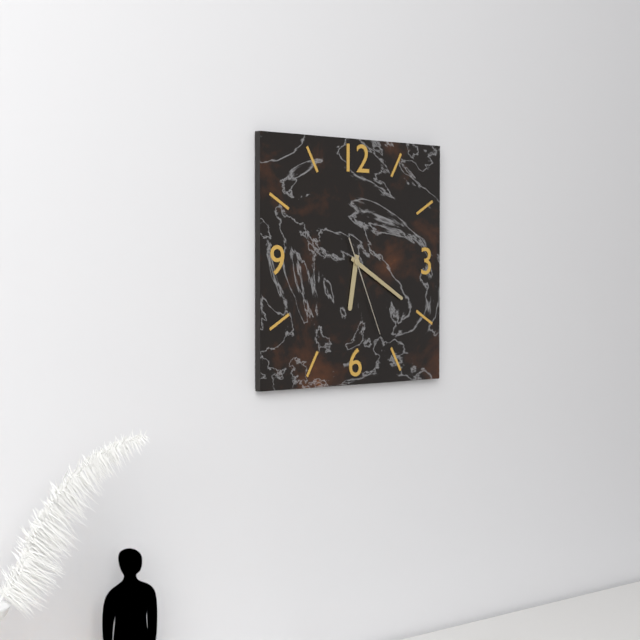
6.20.26
